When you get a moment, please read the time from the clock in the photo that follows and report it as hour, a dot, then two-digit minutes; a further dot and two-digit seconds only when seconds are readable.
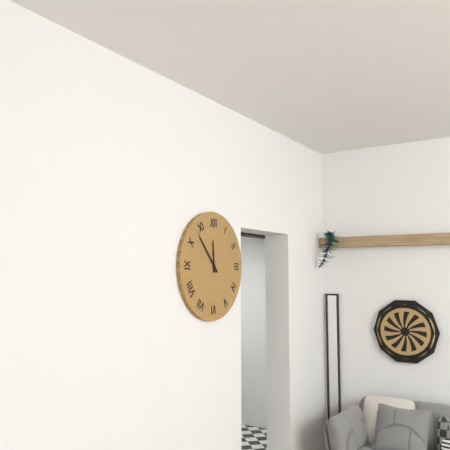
11.53
